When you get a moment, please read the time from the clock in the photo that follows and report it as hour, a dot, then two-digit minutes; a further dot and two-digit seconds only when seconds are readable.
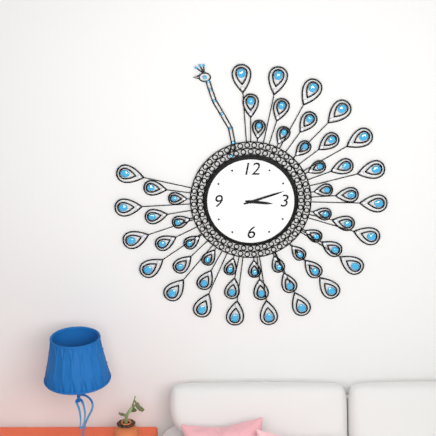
3.12
